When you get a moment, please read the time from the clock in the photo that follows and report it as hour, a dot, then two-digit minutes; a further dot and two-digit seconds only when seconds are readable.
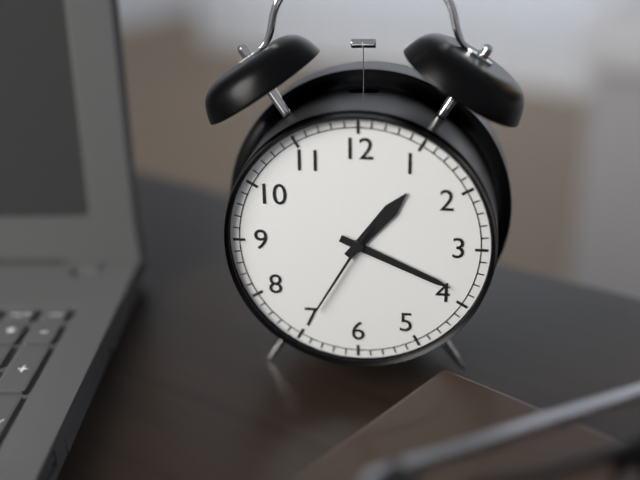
1.19.35
